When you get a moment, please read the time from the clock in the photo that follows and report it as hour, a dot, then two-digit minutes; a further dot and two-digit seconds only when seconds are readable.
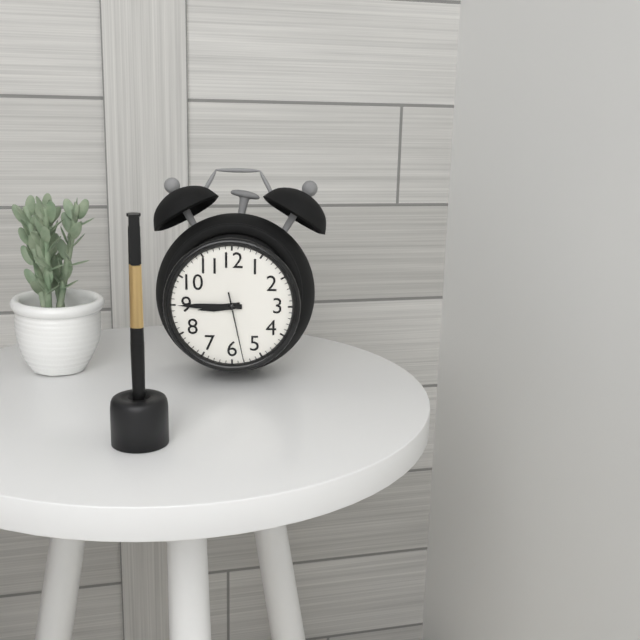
8.45.28
